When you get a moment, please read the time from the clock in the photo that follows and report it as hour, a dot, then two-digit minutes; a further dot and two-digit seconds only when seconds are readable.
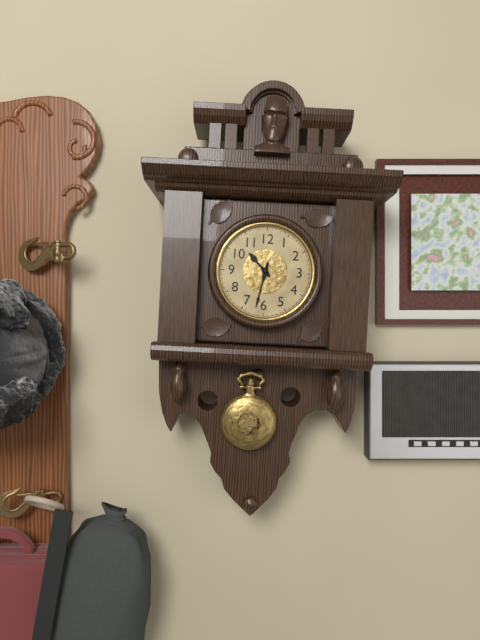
10.32
